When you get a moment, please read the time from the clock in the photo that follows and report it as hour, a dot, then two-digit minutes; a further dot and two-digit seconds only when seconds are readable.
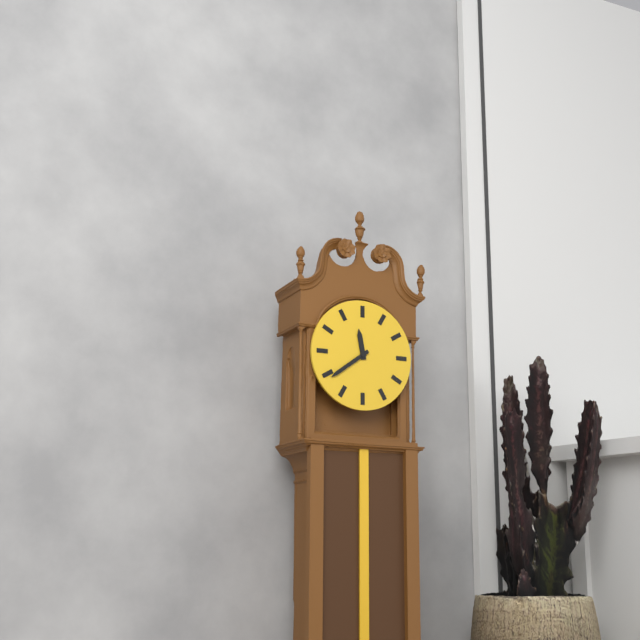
11.39
